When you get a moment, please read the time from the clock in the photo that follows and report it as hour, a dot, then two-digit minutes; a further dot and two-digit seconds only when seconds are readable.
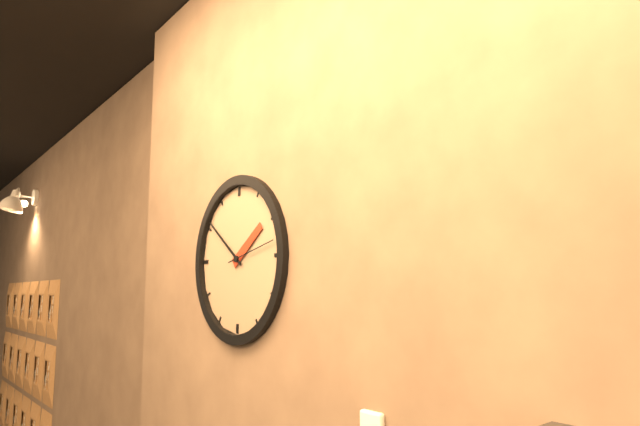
1.51
